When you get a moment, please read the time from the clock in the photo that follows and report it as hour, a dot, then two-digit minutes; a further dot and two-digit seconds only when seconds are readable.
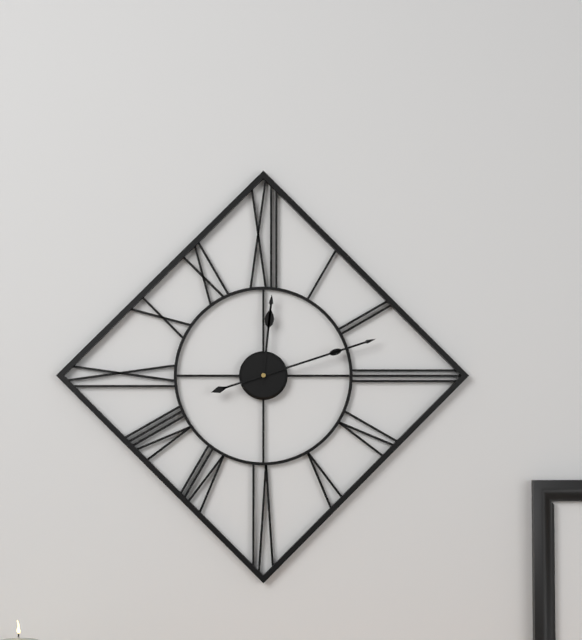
12.12
